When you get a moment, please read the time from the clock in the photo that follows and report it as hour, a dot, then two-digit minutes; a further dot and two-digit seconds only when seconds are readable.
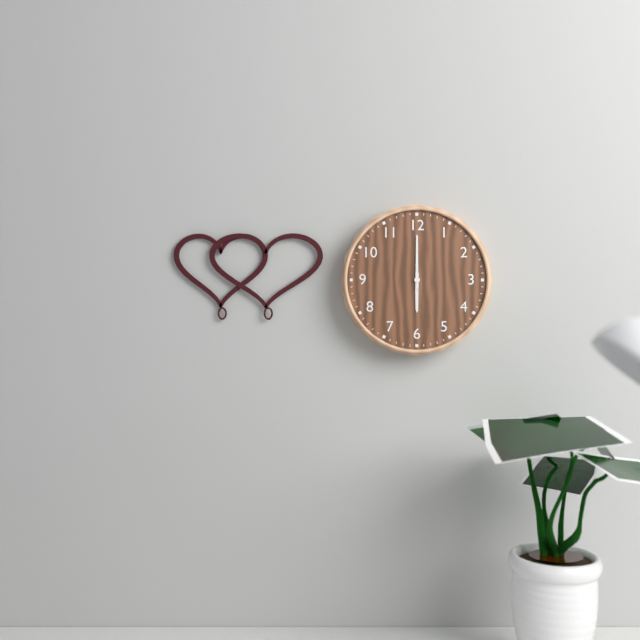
6.00
